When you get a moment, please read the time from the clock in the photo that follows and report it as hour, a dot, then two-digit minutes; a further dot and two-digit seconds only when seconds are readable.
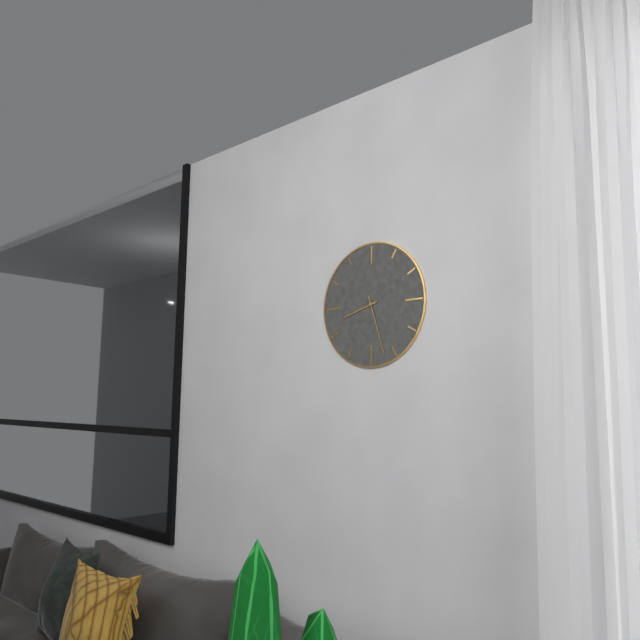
8.27
